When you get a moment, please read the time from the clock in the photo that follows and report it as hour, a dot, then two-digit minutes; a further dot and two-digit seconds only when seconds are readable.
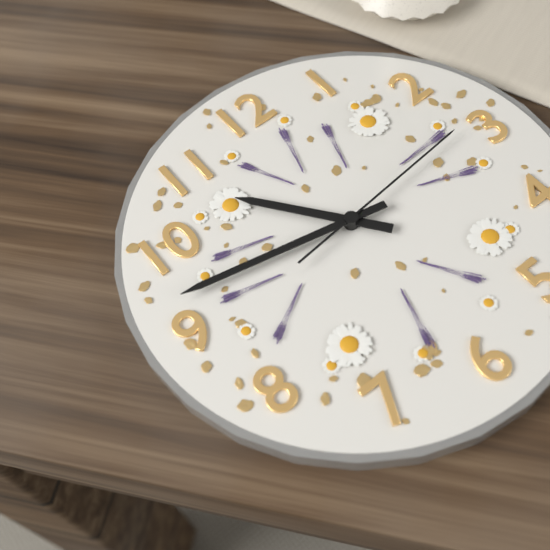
10.47.14
